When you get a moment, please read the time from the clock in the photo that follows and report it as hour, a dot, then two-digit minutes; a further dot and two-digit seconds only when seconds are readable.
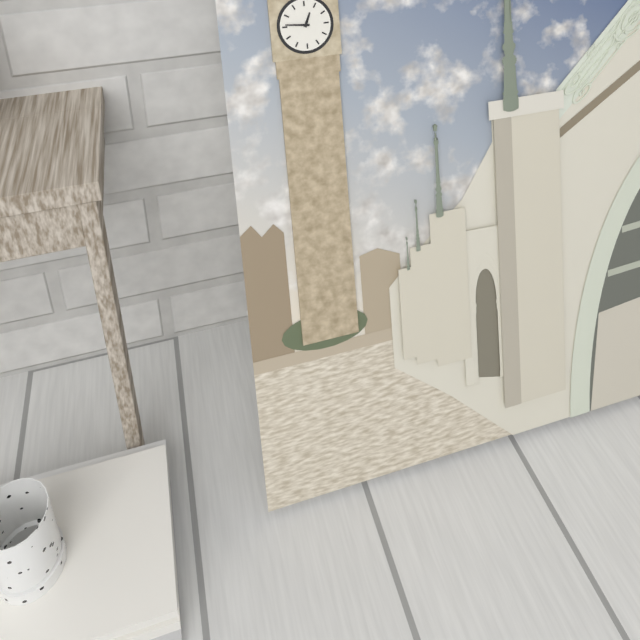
12.46
